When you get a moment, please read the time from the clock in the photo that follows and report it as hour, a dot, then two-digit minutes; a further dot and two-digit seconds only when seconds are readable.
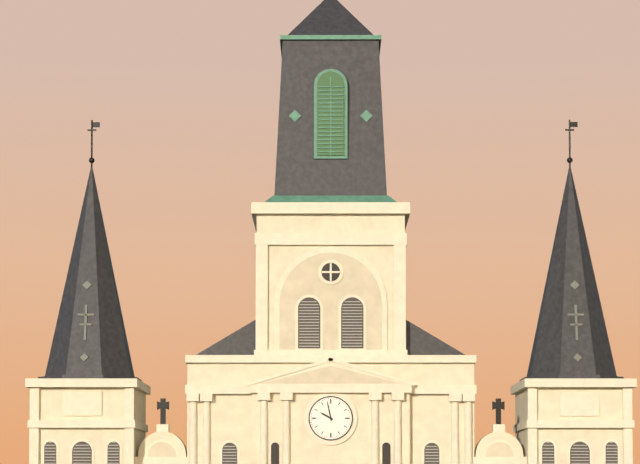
9.58
